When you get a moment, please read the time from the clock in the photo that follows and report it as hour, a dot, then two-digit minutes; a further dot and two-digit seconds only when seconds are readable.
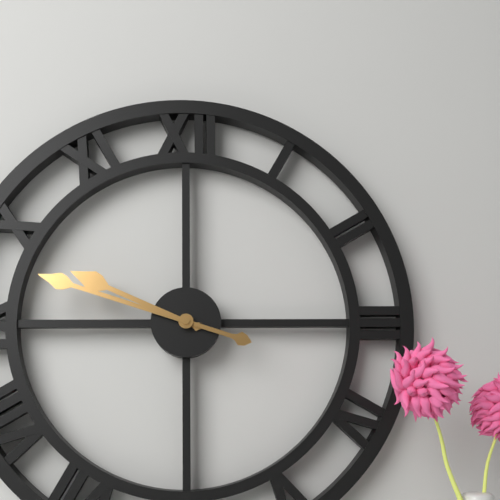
9.48
